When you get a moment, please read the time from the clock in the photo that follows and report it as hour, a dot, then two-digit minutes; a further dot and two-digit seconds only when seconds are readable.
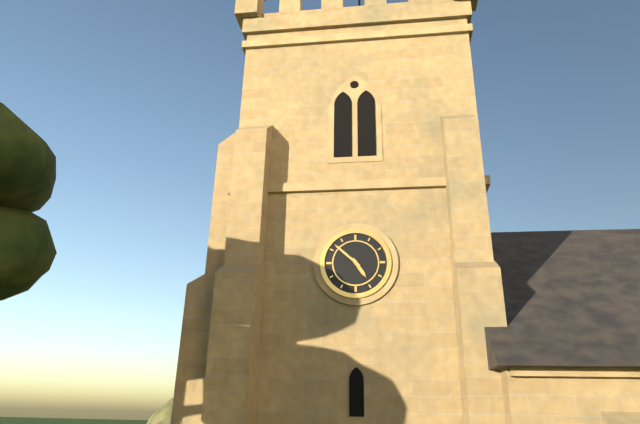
4.52
